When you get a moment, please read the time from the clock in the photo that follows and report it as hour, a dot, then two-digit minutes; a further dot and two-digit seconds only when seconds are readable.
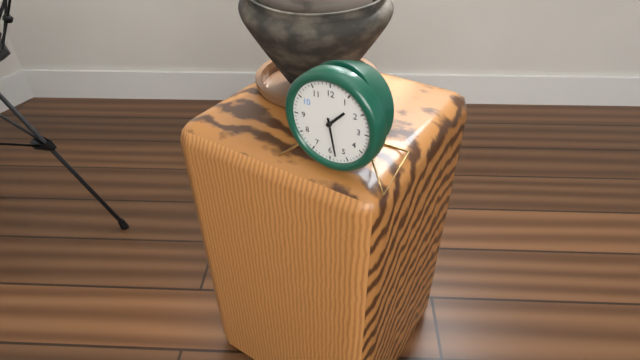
1.28
